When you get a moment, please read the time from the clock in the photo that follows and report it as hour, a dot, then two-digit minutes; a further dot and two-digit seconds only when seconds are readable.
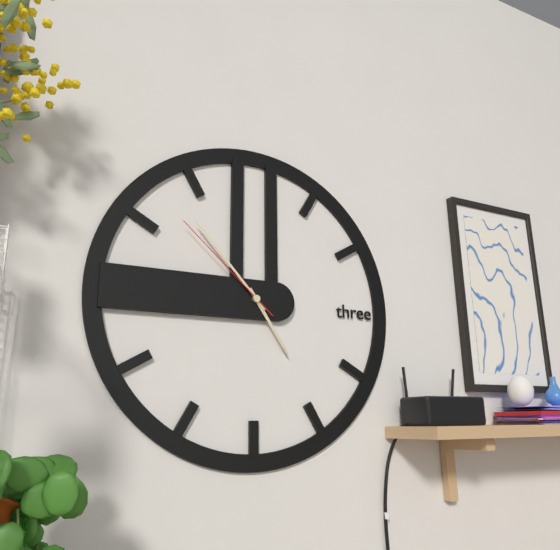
4.53.52
